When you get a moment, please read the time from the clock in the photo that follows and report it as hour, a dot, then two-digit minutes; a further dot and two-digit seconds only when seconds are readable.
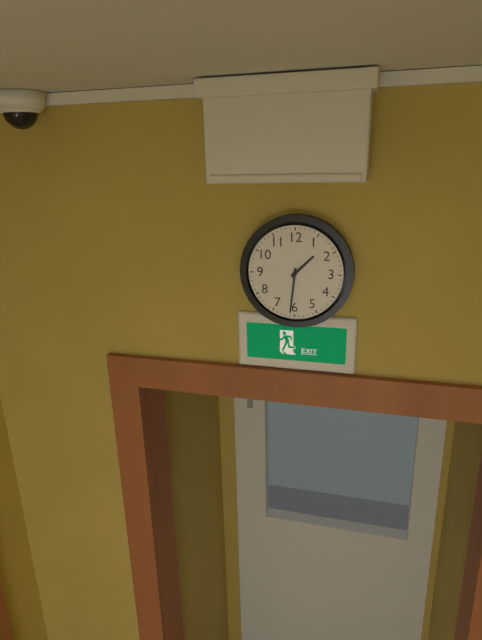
1.31
